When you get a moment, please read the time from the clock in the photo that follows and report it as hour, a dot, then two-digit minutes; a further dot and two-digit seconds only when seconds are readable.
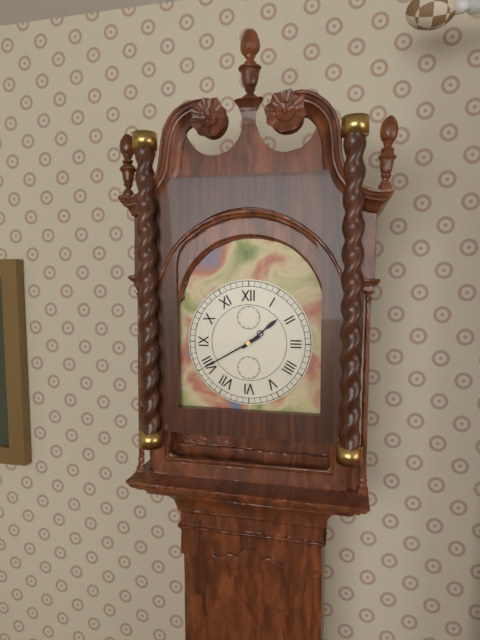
1.40
